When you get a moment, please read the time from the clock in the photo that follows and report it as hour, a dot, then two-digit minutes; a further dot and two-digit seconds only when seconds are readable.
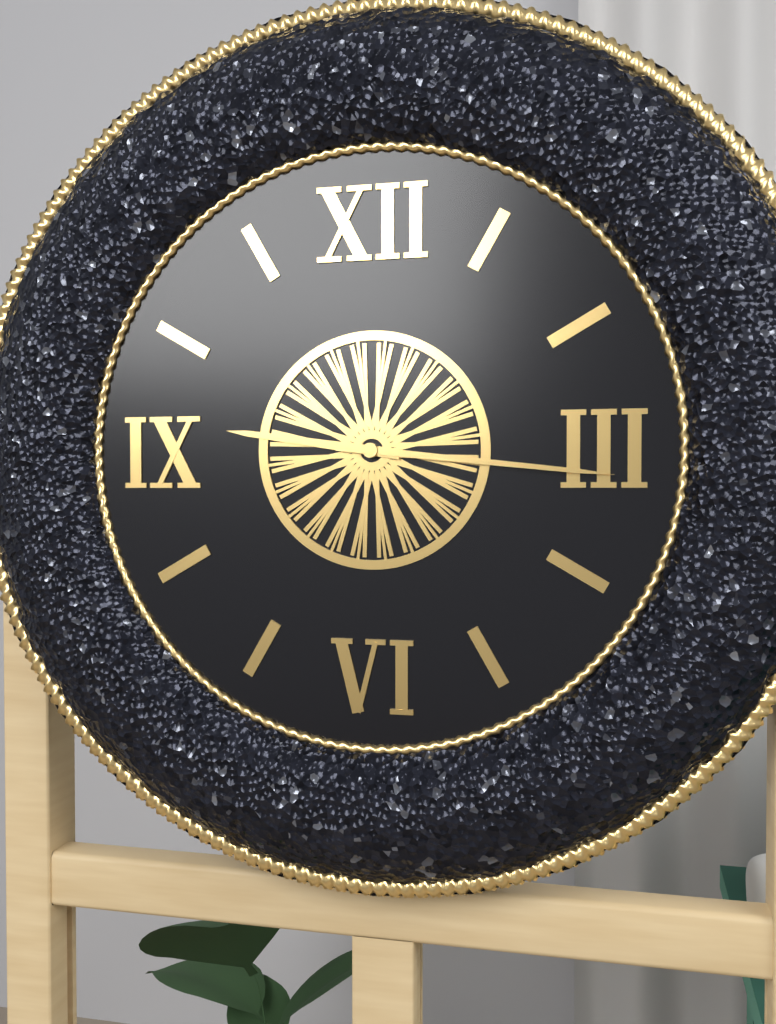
9.16
